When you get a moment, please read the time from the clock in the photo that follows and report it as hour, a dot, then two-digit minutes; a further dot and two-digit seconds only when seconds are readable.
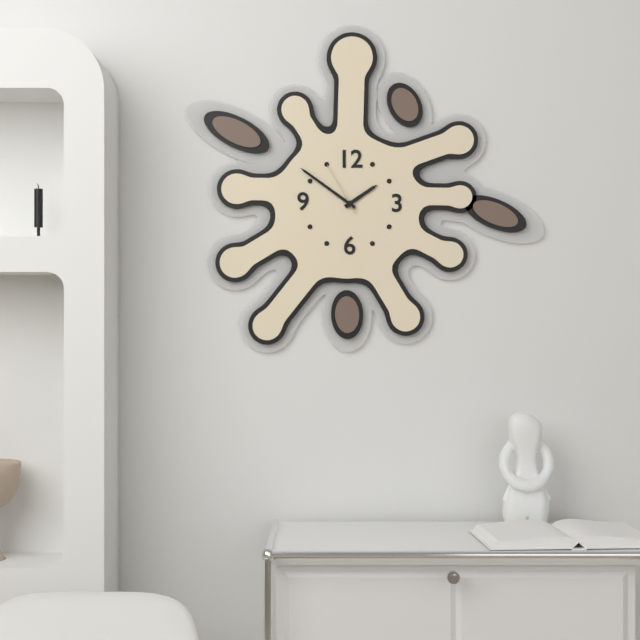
1.51.55
